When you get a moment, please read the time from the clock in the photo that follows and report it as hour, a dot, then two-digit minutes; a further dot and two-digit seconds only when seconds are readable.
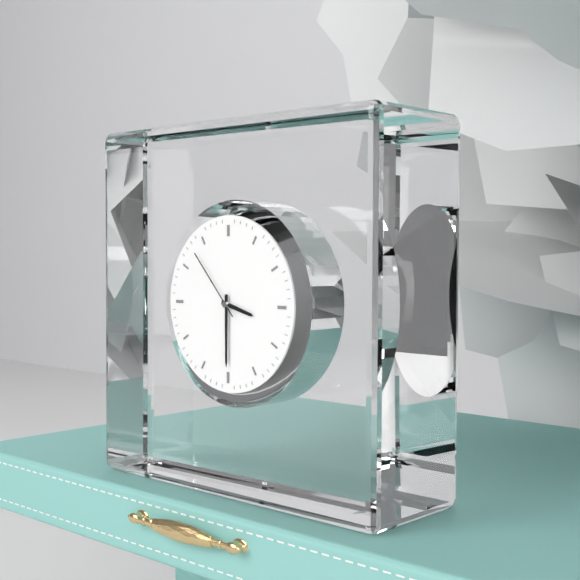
3.30.53
